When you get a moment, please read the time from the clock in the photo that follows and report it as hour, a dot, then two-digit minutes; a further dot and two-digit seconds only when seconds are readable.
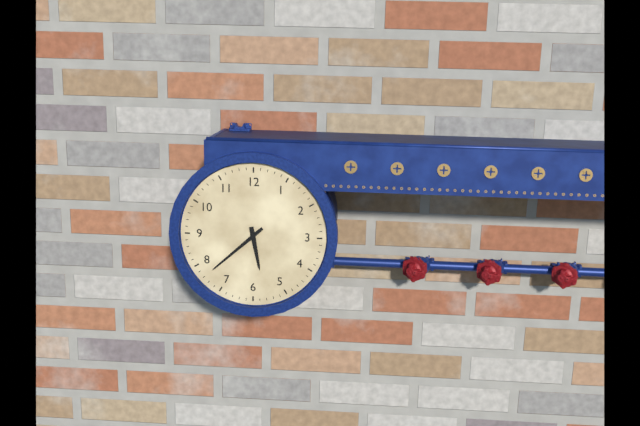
5.38
